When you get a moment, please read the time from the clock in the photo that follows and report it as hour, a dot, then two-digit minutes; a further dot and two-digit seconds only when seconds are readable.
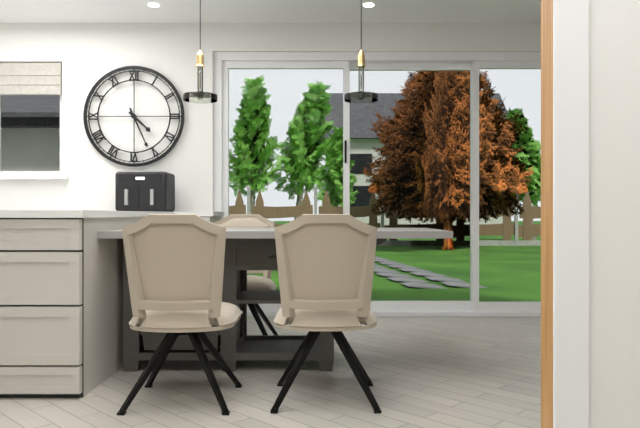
4.26
